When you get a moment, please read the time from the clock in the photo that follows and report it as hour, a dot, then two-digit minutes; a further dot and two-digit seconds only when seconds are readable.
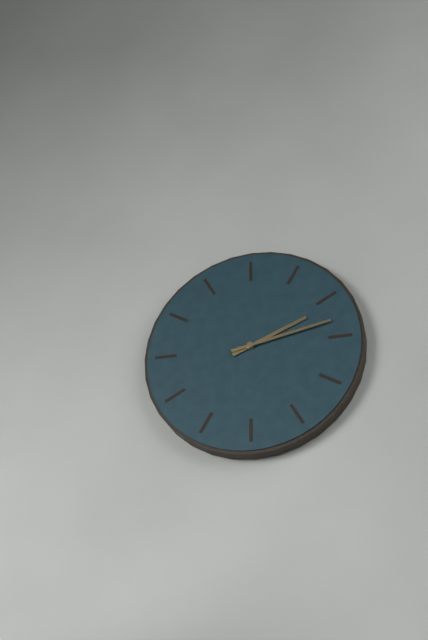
2.13
